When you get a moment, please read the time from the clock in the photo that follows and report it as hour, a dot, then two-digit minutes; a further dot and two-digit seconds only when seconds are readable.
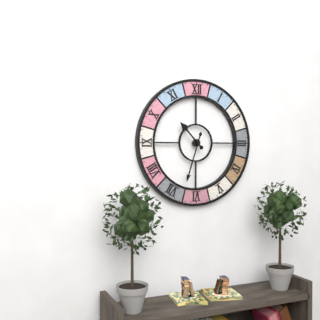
10.33
